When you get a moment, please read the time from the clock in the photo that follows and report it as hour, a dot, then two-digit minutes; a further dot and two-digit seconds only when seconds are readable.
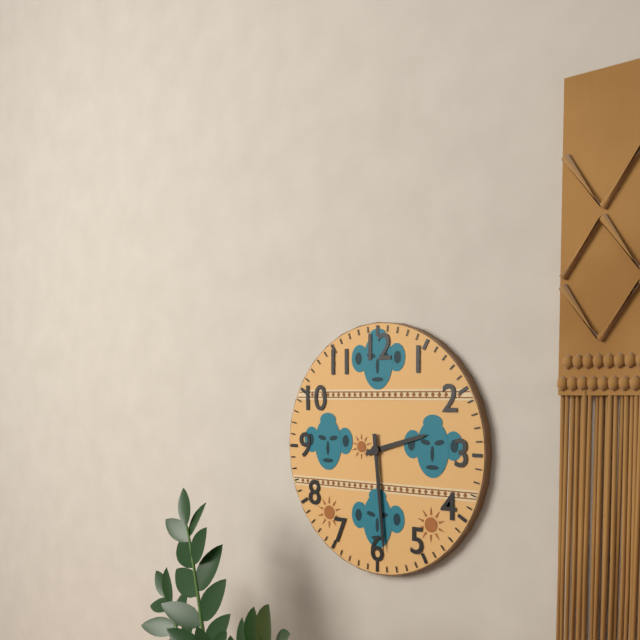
2.29
